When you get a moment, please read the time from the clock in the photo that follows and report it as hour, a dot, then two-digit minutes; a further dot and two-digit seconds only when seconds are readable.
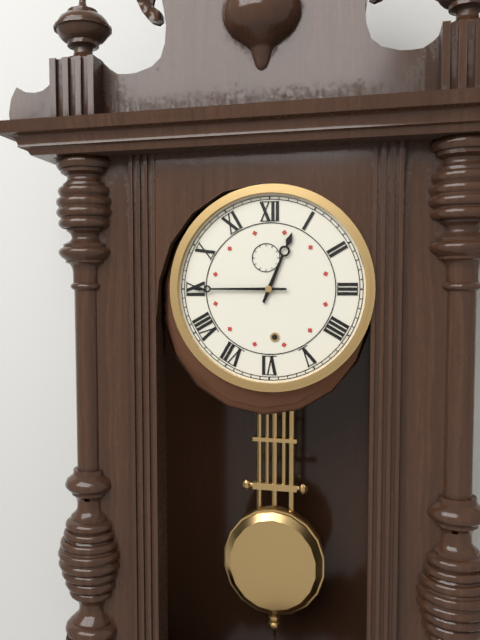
12.45
